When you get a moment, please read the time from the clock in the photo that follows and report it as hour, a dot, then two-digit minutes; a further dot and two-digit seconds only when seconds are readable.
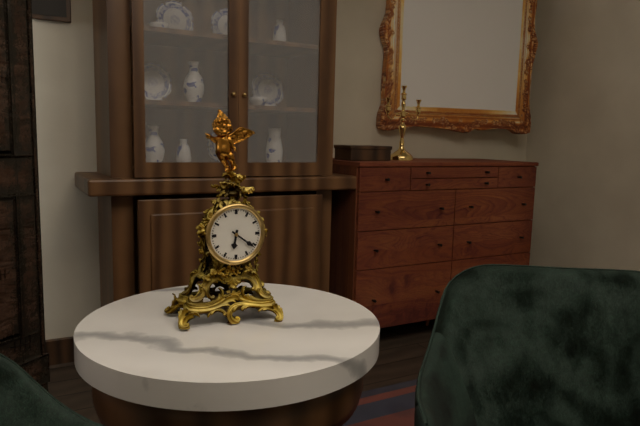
6.21
